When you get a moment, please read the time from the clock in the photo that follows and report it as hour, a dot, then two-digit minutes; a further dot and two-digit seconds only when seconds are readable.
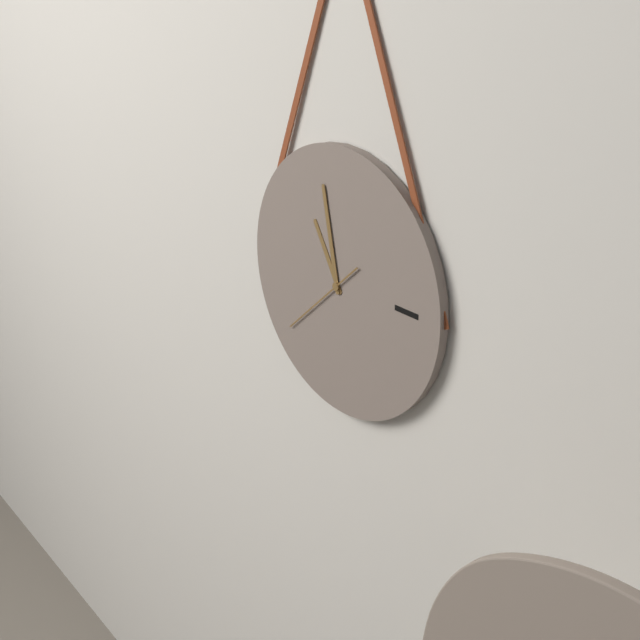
10.58.38
